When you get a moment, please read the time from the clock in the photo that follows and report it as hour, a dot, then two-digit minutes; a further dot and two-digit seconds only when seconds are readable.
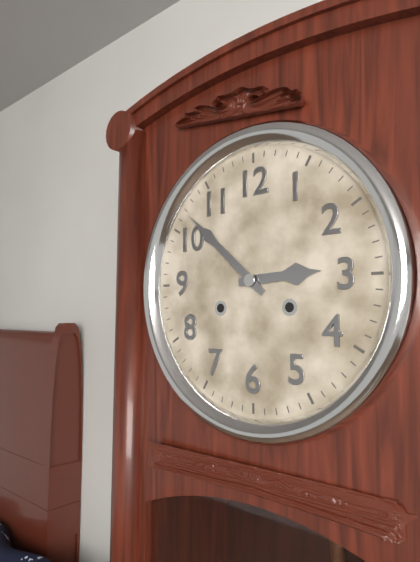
2.52
